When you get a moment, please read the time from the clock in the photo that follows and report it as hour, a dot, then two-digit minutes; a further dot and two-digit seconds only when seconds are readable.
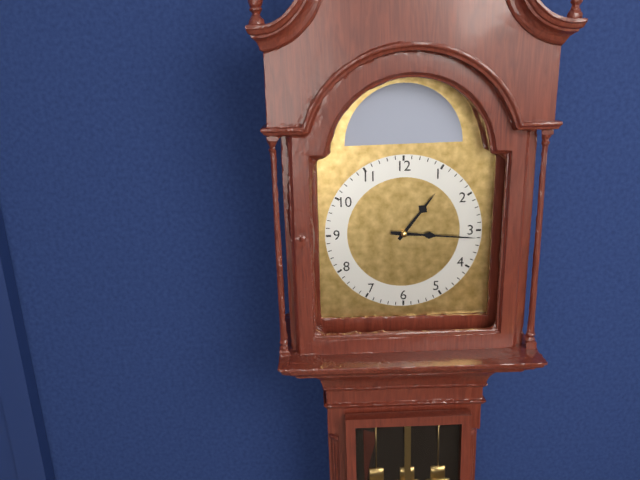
1.16
